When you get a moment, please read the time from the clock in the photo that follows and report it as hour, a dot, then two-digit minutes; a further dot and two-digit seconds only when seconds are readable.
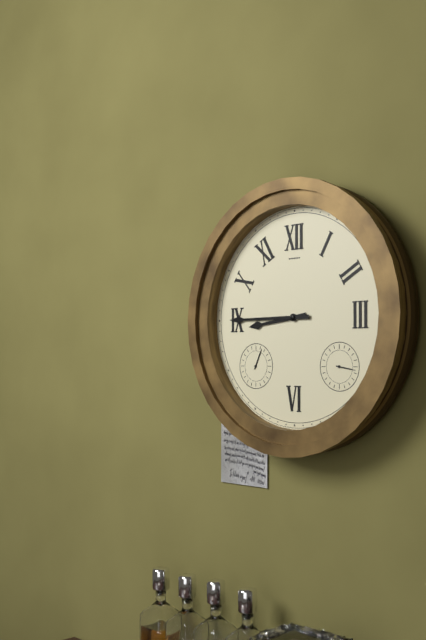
8.45
